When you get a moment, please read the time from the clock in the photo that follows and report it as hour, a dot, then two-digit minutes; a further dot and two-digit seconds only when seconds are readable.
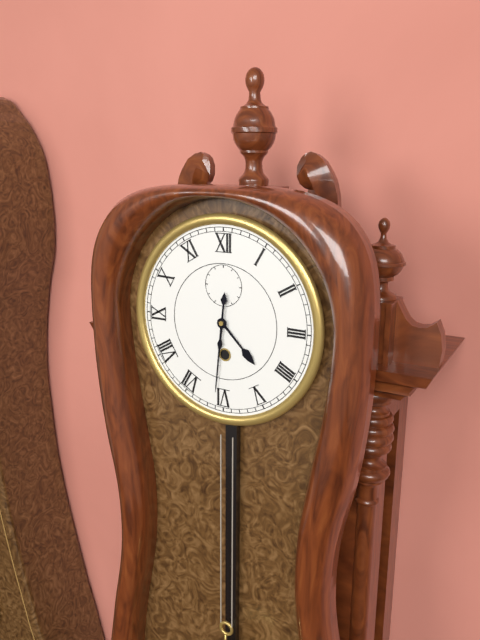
4.31
